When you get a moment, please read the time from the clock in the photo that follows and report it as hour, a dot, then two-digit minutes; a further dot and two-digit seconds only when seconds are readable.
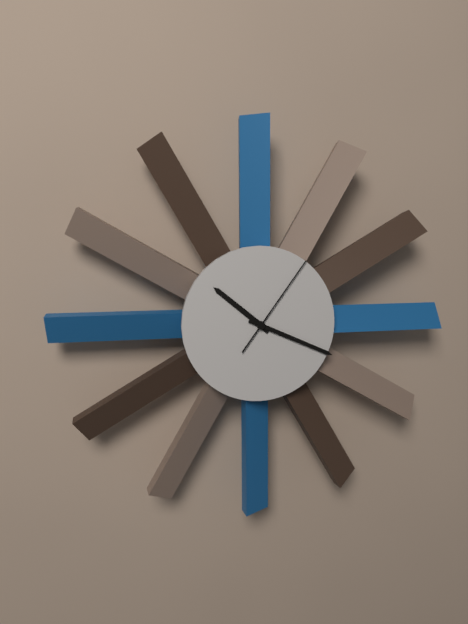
10.19.06
